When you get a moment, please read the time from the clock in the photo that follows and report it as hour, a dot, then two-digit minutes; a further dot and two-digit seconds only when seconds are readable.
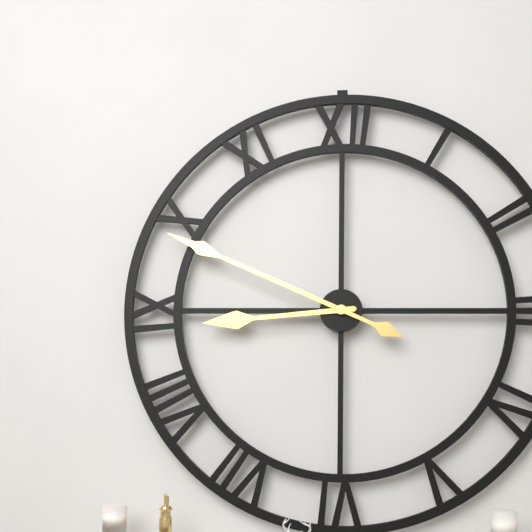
8.49
